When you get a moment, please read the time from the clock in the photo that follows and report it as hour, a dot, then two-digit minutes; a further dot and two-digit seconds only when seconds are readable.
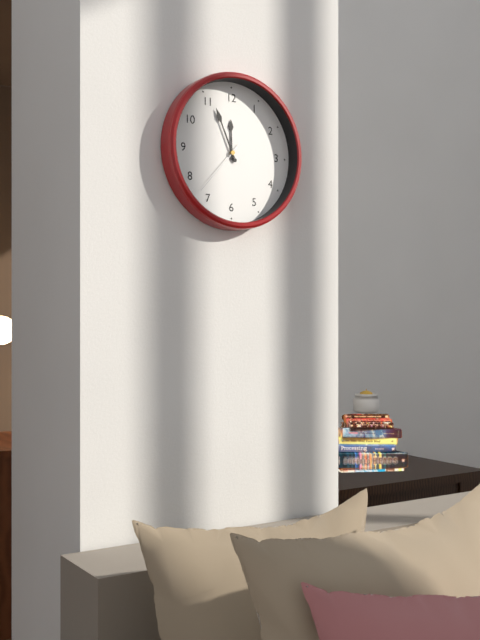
11.56.37
